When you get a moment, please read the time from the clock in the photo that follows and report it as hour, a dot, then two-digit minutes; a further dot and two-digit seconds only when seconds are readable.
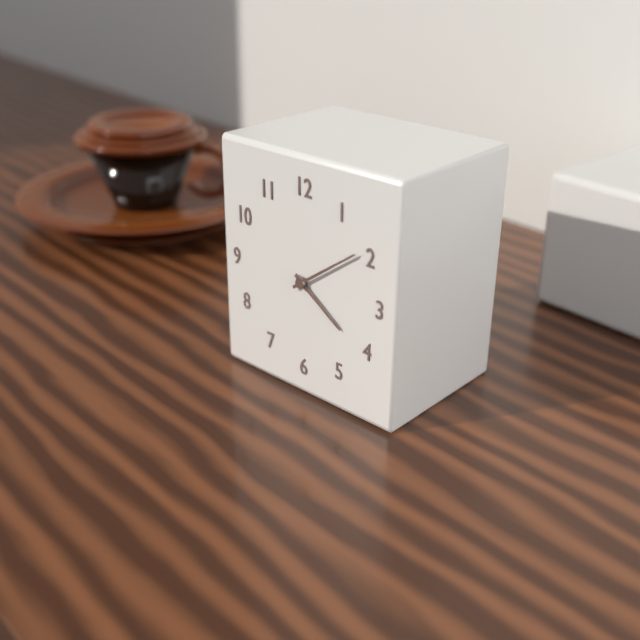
4.09
